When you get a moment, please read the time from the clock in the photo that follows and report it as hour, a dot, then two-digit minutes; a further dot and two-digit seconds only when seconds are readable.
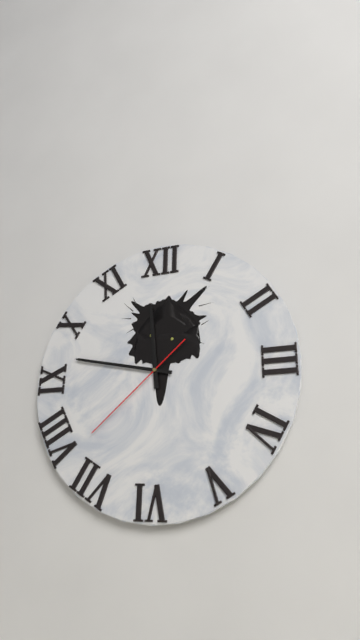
11.47.38
